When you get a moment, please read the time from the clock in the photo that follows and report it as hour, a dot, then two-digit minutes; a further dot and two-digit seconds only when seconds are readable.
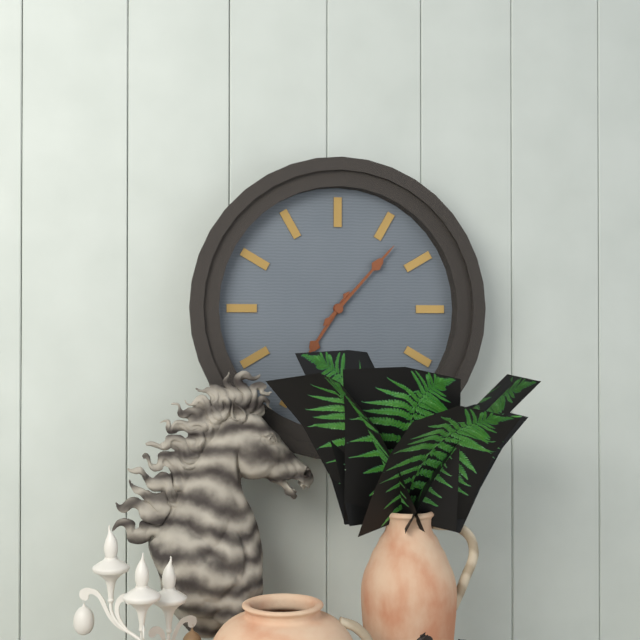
7.07
